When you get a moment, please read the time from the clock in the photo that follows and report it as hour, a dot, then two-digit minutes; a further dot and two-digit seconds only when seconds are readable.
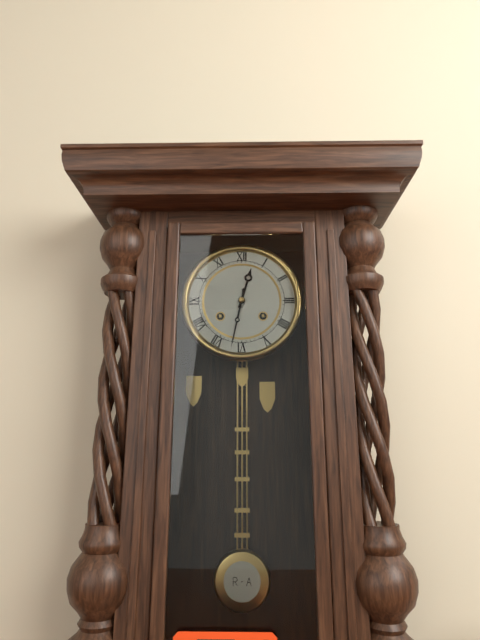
12.32
